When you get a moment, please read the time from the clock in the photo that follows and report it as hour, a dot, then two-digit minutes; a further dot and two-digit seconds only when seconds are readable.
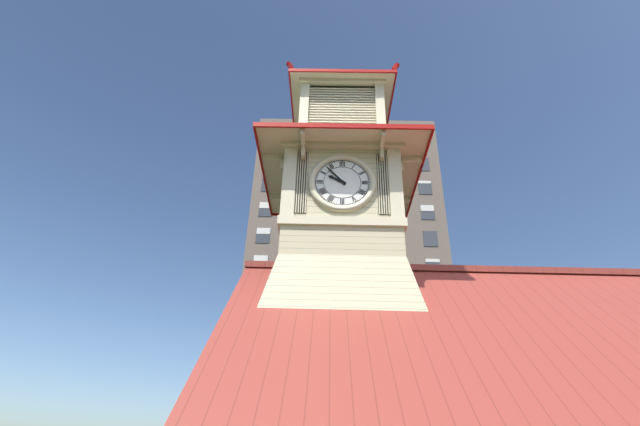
9.53
